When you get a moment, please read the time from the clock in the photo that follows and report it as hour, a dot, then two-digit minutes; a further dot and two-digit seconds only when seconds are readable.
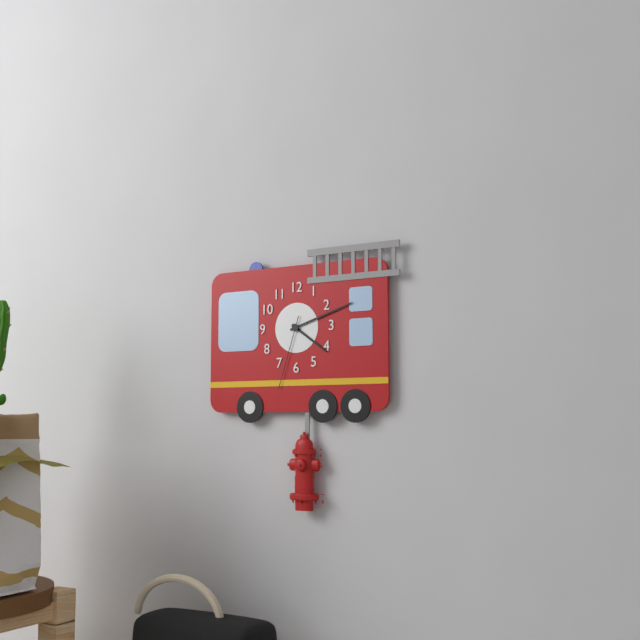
4.12.33
